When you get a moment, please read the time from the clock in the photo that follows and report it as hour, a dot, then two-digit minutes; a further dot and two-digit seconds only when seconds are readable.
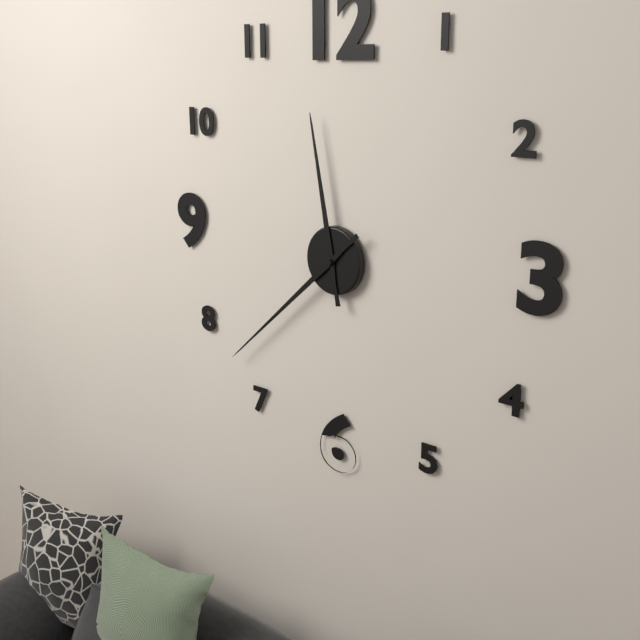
11.38
